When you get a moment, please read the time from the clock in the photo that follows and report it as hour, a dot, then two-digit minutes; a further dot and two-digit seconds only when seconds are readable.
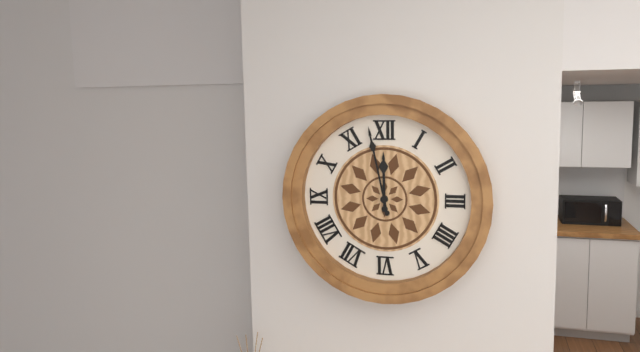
11.58
